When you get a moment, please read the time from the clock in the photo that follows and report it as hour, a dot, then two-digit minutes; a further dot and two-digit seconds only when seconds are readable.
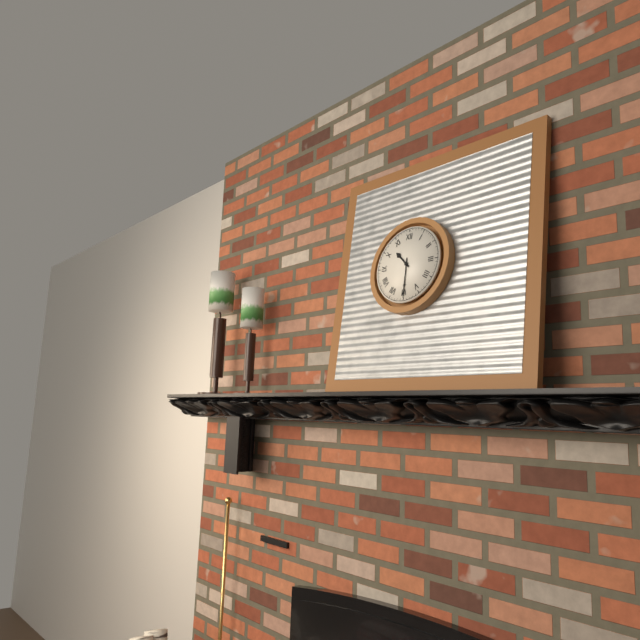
10.30
